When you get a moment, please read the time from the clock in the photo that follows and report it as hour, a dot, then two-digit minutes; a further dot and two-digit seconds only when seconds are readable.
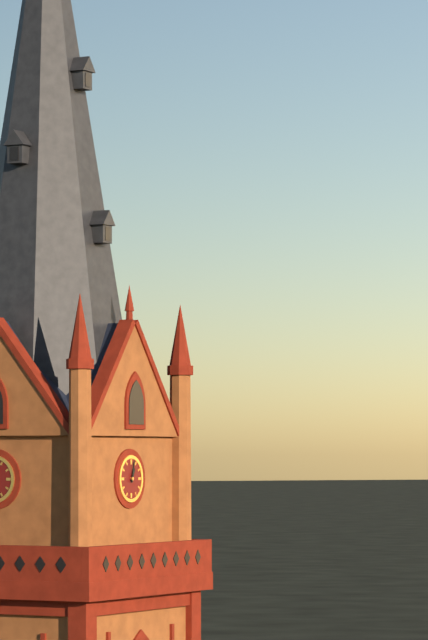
1.02
